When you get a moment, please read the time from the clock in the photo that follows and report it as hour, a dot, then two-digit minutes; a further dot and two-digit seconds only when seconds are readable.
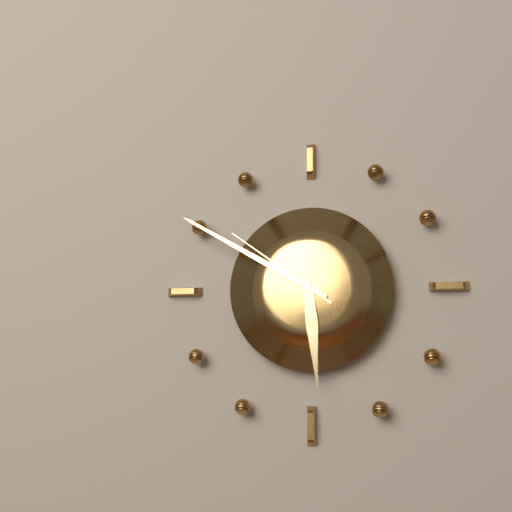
5.50.51
